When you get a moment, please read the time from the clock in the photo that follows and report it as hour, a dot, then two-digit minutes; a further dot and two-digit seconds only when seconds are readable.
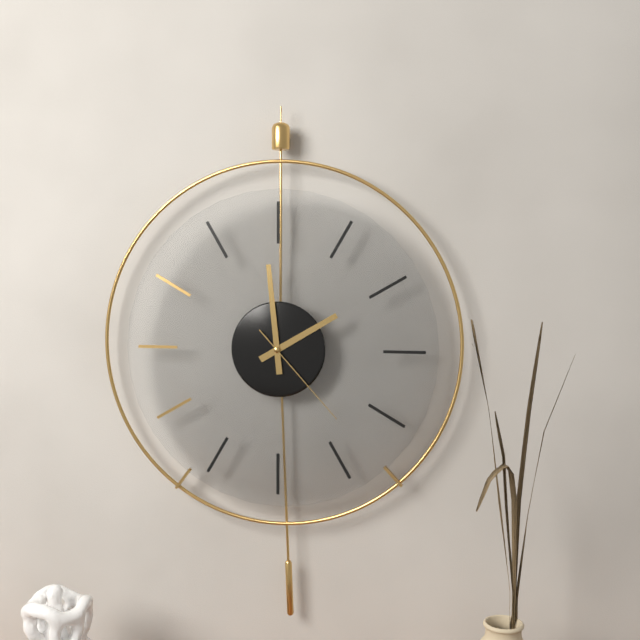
1.59.23
